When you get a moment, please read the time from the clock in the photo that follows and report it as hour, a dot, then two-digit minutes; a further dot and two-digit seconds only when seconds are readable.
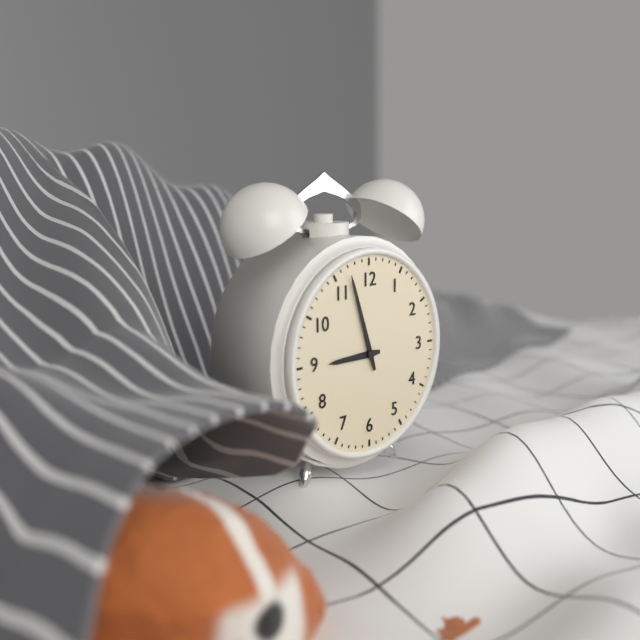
8.57
